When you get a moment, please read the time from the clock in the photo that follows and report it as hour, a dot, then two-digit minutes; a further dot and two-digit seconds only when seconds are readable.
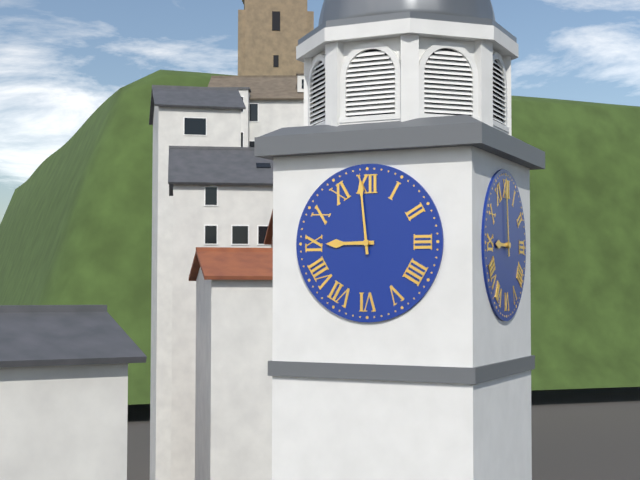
8.59
